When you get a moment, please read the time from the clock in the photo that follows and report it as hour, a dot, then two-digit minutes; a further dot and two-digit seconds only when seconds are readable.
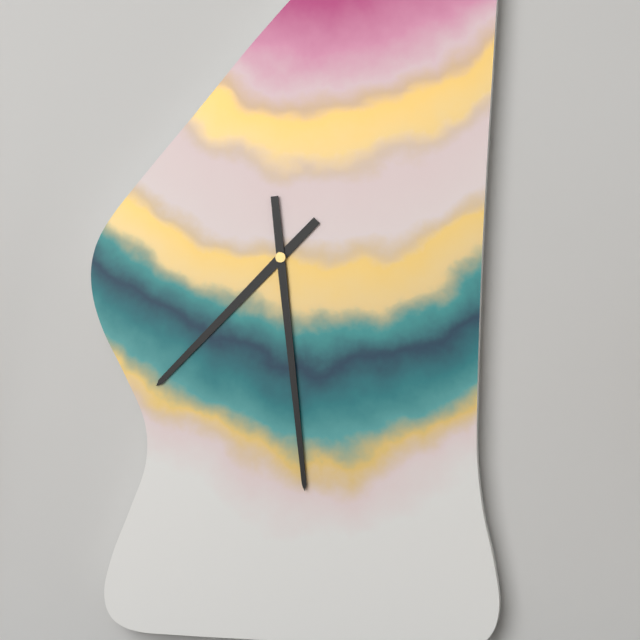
7.29
